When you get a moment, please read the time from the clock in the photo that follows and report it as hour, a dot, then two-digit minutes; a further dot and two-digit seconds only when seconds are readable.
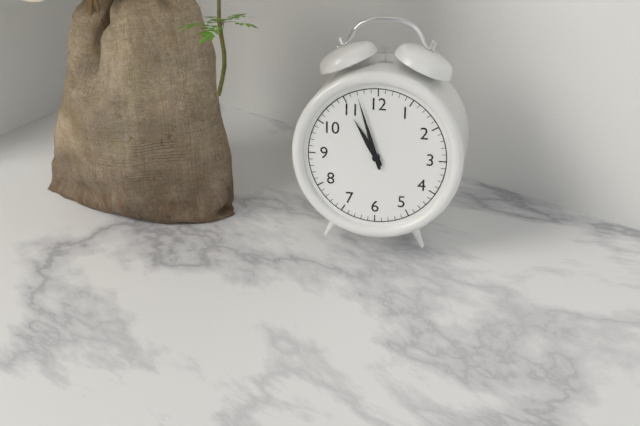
10.57
